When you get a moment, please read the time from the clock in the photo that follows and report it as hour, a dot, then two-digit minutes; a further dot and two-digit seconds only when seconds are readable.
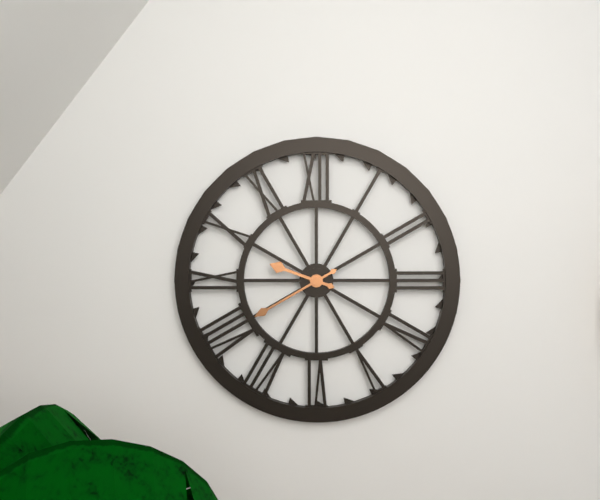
9.40
